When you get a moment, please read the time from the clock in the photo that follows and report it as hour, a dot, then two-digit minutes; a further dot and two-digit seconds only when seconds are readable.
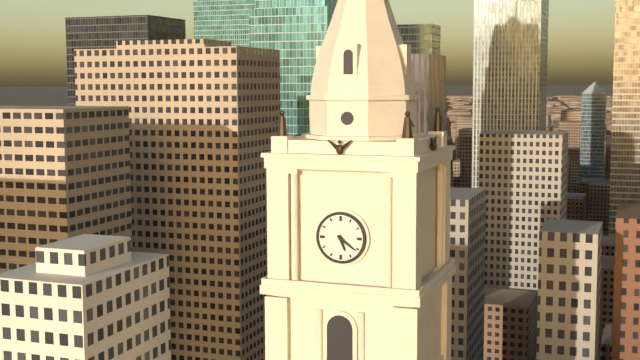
5.21
